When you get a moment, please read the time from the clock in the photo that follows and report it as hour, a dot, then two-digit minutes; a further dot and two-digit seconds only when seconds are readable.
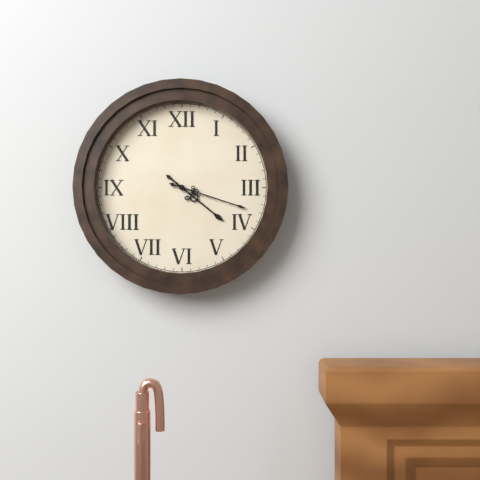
4.18
